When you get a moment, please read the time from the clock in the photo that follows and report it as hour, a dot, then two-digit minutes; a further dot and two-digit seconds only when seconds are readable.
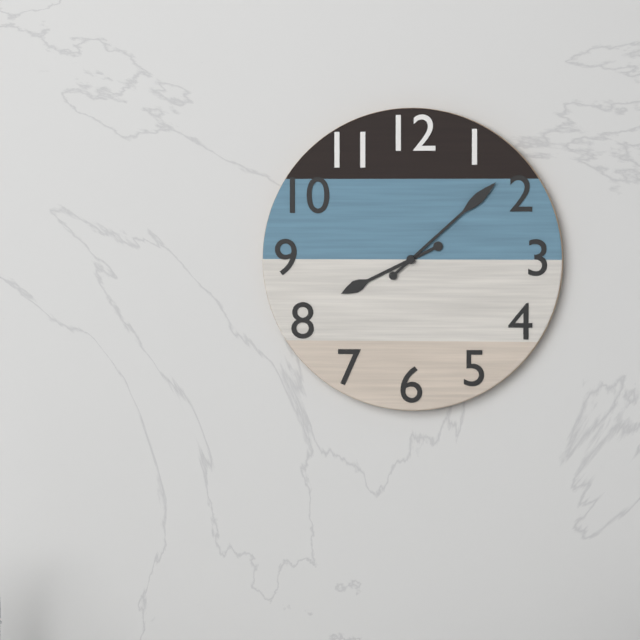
8.08
